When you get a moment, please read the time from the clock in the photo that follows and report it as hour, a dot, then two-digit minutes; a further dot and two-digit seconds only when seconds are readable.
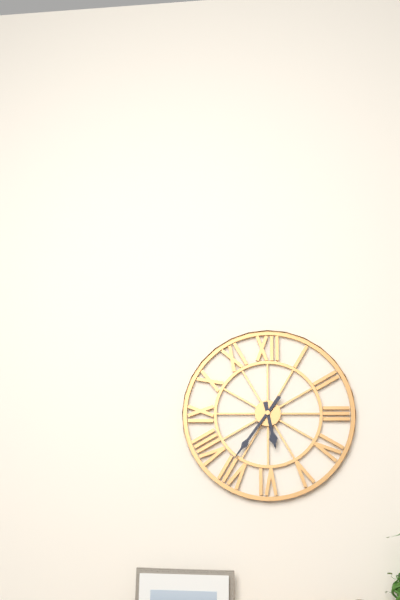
5.36
